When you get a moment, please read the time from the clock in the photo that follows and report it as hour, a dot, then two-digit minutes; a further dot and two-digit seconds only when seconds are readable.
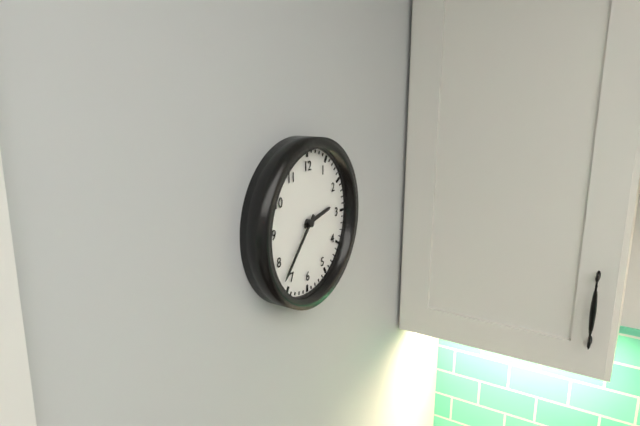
2.37
